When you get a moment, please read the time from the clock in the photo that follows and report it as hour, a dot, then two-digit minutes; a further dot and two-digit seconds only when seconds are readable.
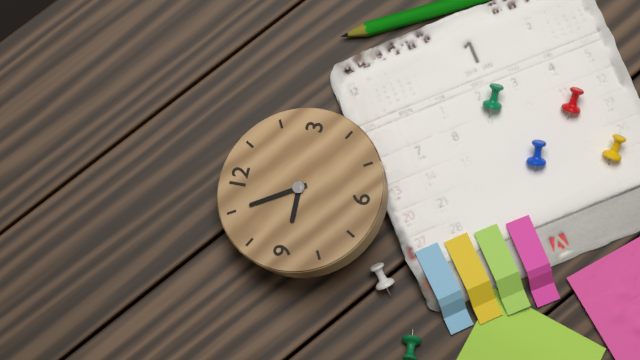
8.55
